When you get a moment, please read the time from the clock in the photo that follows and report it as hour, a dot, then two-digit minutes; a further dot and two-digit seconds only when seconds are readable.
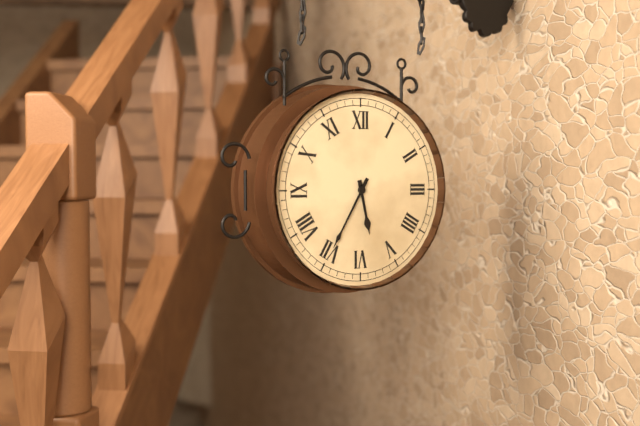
5.35
